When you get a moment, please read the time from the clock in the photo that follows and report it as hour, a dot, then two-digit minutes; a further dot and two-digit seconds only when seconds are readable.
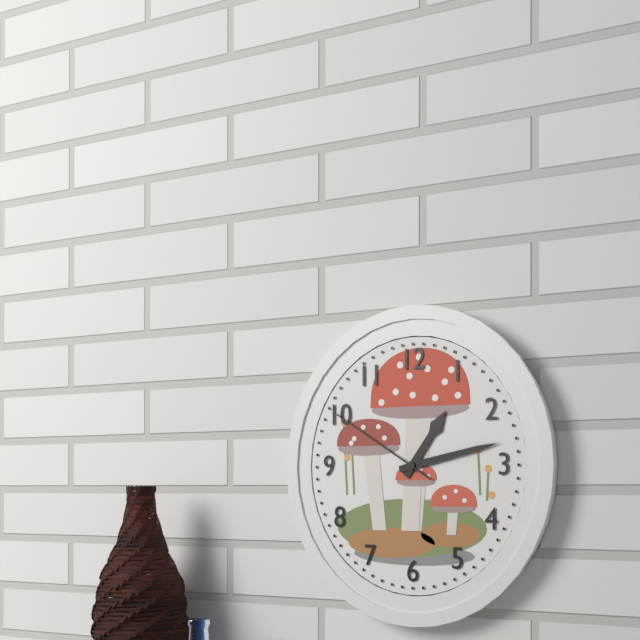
1.13.50
